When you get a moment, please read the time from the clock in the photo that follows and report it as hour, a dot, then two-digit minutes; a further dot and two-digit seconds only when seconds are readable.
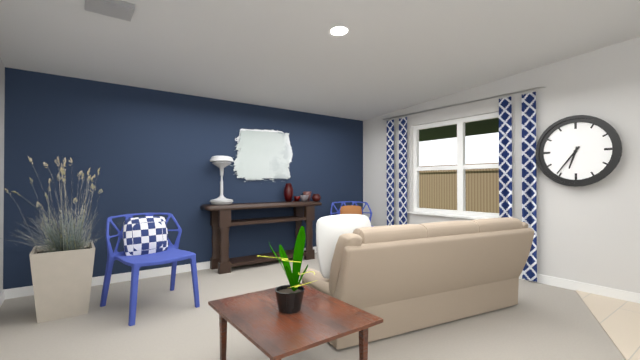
6.36
